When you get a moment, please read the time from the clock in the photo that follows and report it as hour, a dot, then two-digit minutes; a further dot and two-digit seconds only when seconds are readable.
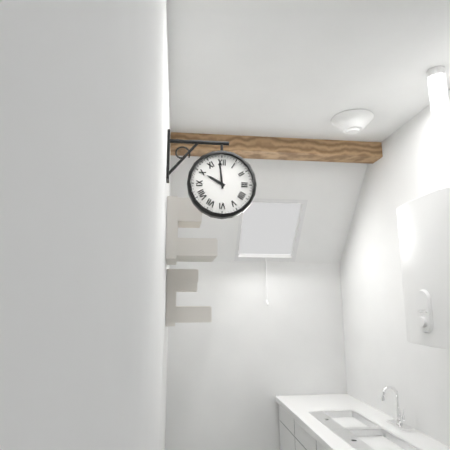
9.59
